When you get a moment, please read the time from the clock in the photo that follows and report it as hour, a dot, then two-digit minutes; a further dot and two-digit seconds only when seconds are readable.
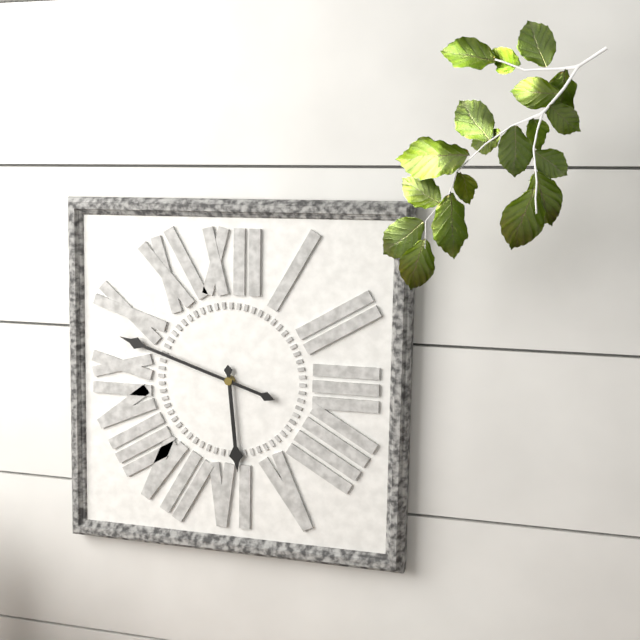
5.48
